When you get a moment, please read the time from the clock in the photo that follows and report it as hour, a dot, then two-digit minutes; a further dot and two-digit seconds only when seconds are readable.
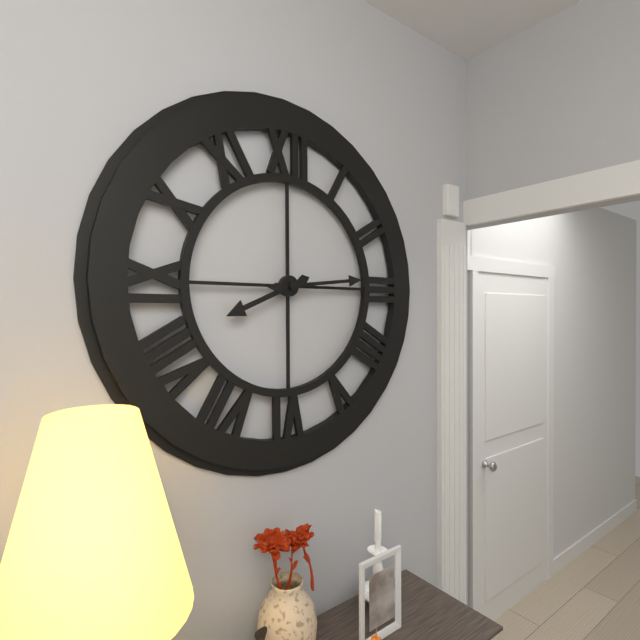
8.14
